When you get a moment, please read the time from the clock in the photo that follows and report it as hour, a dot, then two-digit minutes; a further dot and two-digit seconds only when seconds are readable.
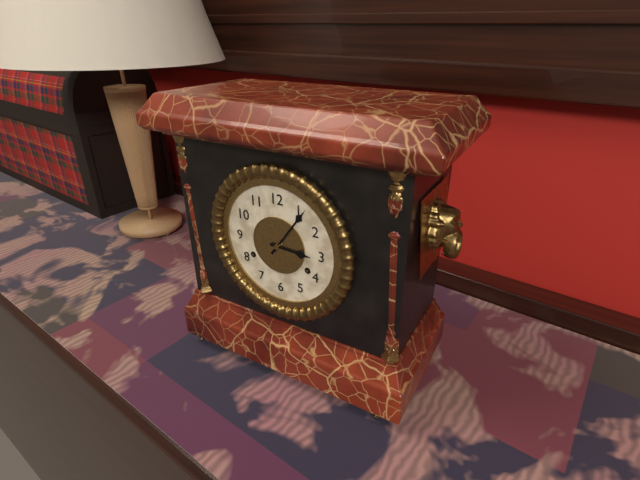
3.06
